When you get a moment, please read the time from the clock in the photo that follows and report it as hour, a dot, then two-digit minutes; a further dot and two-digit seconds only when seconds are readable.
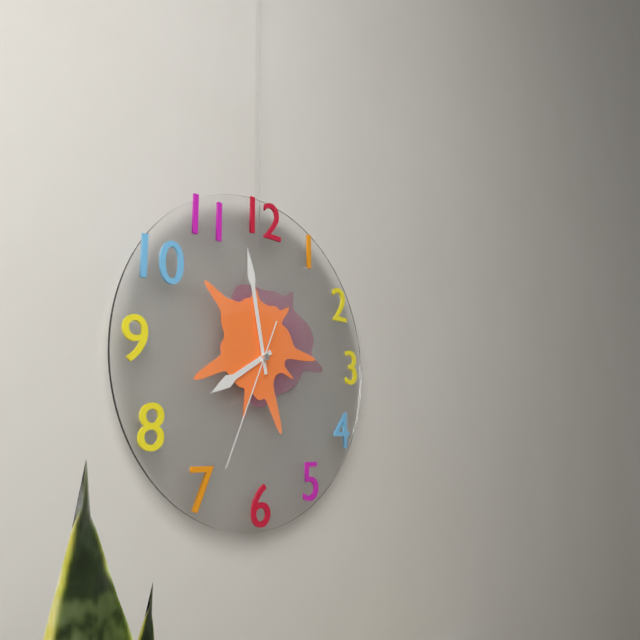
7.58.34
